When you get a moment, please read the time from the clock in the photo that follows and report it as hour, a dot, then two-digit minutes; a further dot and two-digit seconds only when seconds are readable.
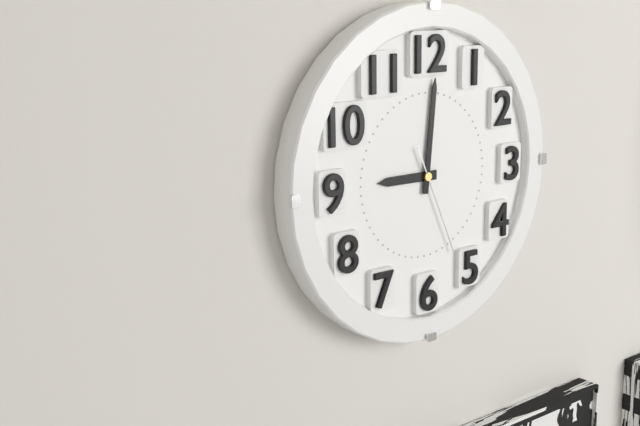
9.01.26
